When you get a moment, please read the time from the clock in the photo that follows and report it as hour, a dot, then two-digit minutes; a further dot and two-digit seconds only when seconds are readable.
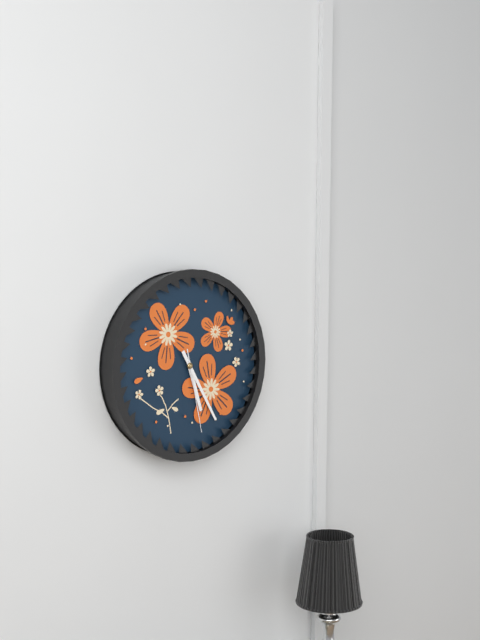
5.25.28
